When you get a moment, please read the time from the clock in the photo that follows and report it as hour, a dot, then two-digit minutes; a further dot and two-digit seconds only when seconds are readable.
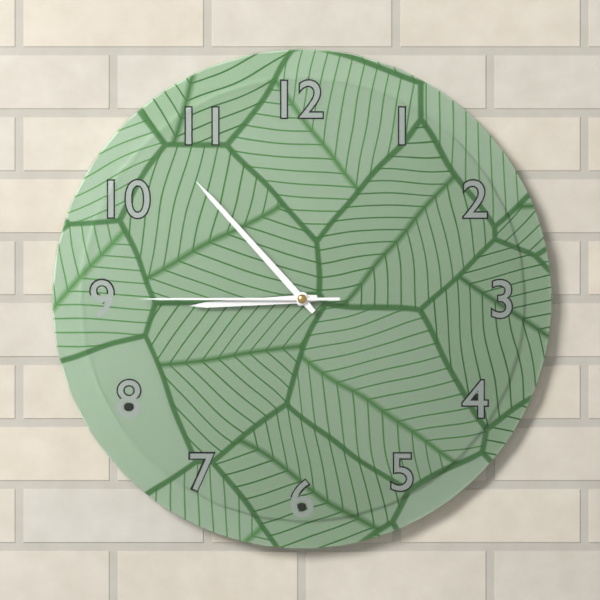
8.53.45
